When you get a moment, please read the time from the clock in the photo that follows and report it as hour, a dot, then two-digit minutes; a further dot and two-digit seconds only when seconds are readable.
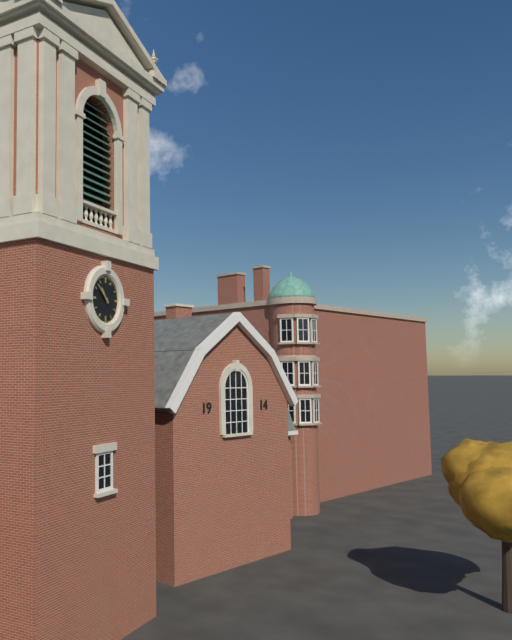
10.52
